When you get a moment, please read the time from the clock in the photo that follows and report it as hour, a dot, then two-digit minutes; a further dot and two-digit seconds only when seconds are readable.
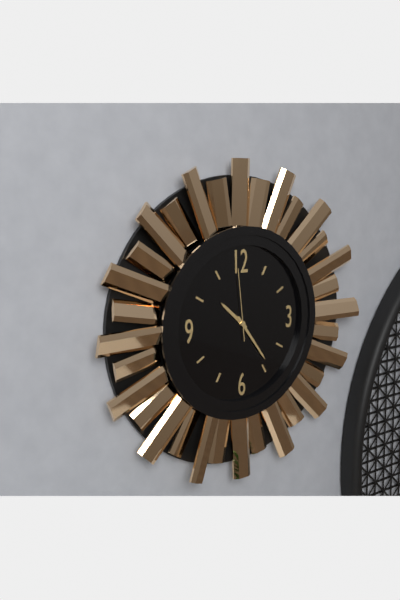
10.24.59
